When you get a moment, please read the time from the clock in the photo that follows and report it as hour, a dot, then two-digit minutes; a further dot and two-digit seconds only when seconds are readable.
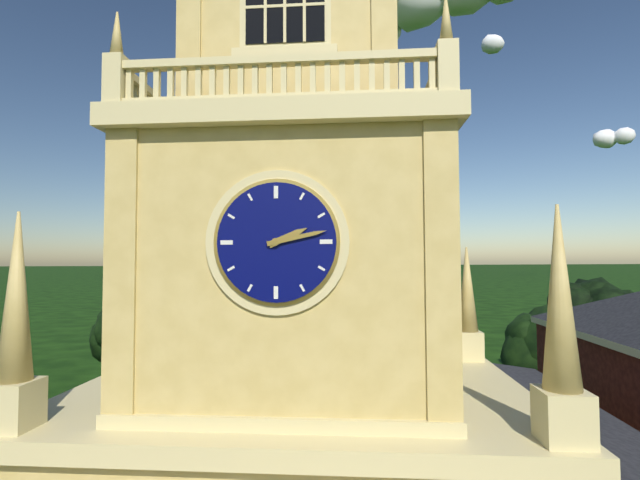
2.13
